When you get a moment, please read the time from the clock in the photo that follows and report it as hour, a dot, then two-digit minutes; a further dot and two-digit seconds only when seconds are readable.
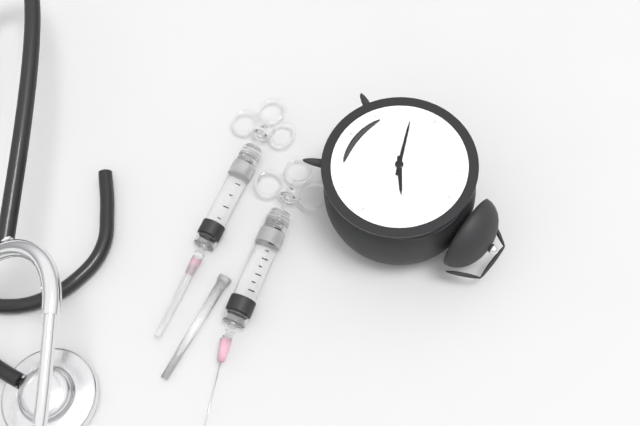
1.41
